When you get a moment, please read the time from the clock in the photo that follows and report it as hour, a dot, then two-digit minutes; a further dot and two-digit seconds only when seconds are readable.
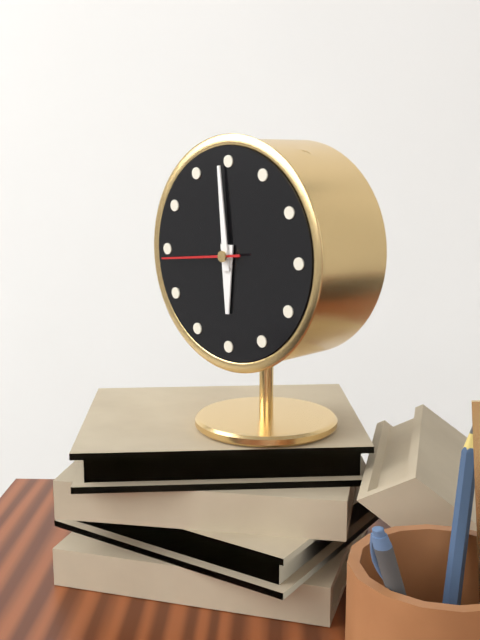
5.59.44
